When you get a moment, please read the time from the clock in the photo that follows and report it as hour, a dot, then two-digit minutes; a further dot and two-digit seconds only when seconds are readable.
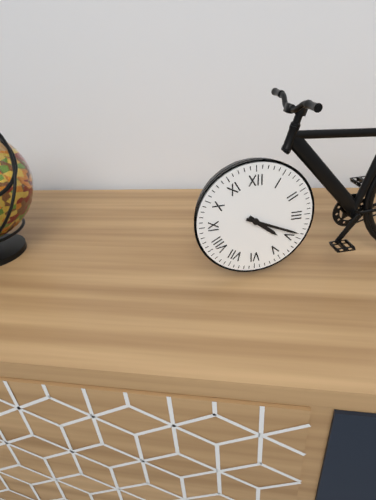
4.19
